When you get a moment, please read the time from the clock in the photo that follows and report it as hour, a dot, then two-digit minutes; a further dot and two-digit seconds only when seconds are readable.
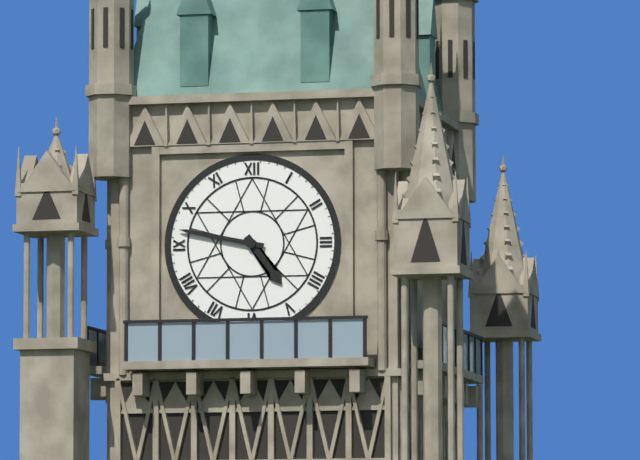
4.47
